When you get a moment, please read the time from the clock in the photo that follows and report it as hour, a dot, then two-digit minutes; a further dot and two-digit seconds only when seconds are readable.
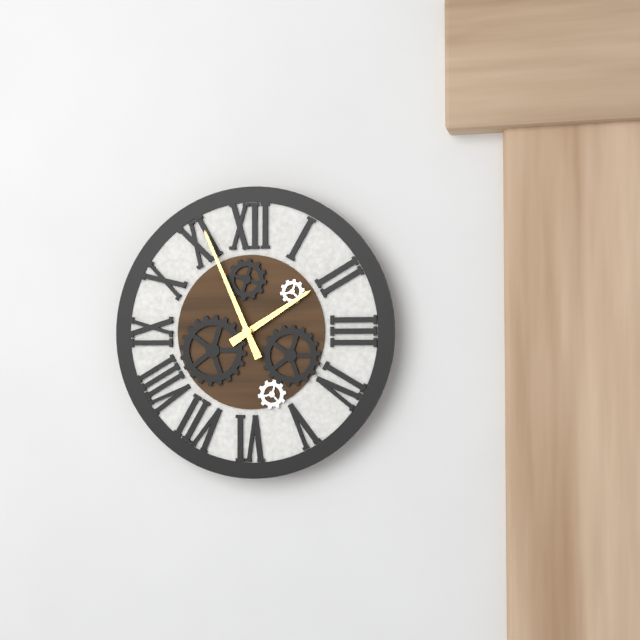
1.56
